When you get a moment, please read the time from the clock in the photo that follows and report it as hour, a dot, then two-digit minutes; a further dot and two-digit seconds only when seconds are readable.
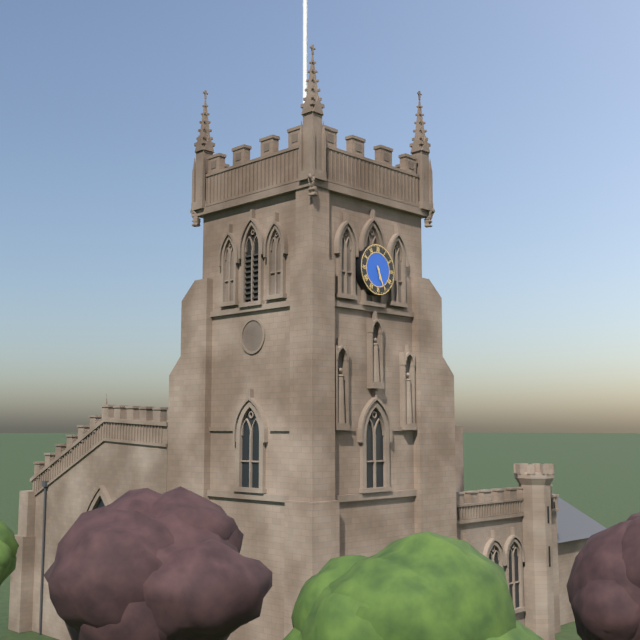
5.26
